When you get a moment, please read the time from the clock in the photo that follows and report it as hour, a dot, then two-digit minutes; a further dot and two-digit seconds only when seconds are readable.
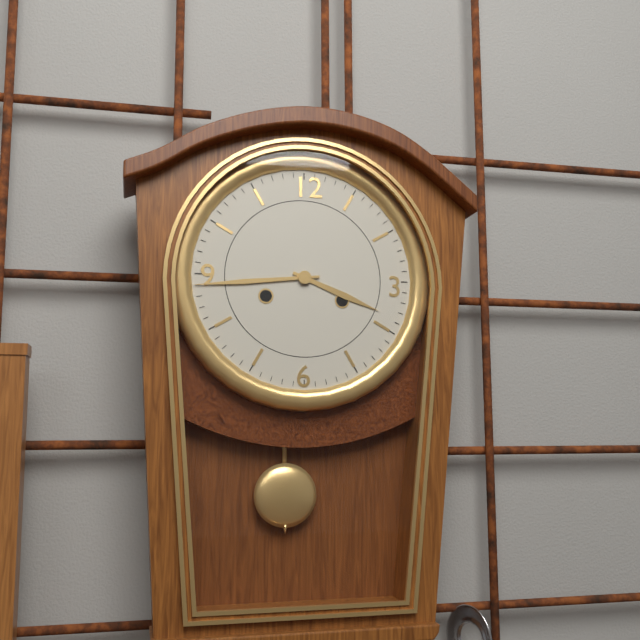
3.44
